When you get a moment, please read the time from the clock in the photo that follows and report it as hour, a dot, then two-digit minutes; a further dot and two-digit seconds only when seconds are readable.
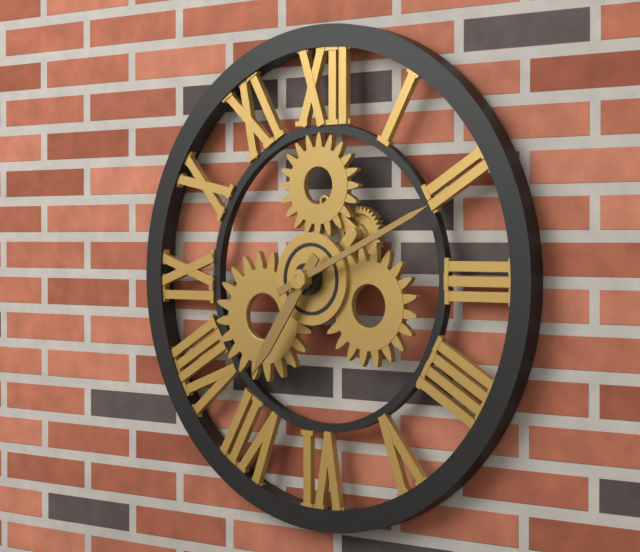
7.11
